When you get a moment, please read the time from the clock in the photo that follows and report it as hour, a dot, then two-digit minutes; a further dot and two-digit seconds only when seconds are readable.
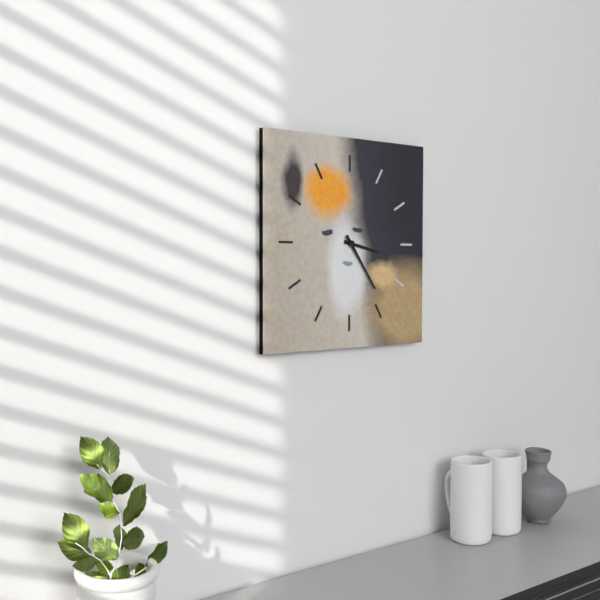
3.24
